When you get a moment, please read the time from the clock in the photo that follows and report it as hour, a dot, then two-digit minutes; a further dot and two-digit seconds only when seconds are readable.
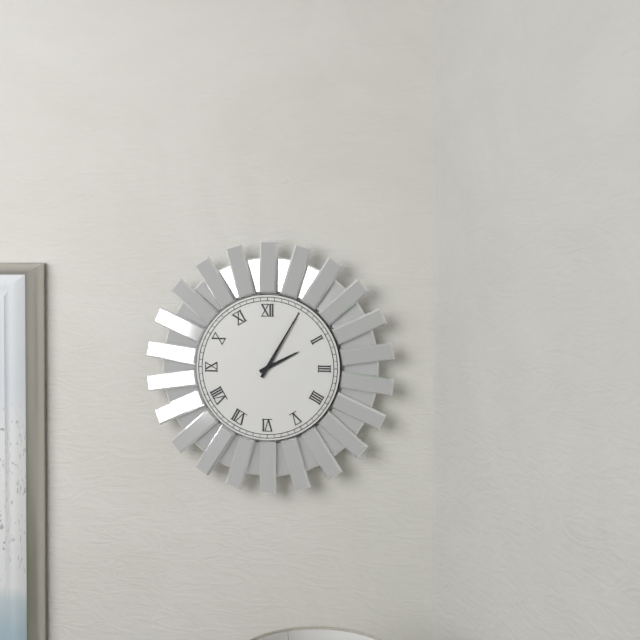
2.05
